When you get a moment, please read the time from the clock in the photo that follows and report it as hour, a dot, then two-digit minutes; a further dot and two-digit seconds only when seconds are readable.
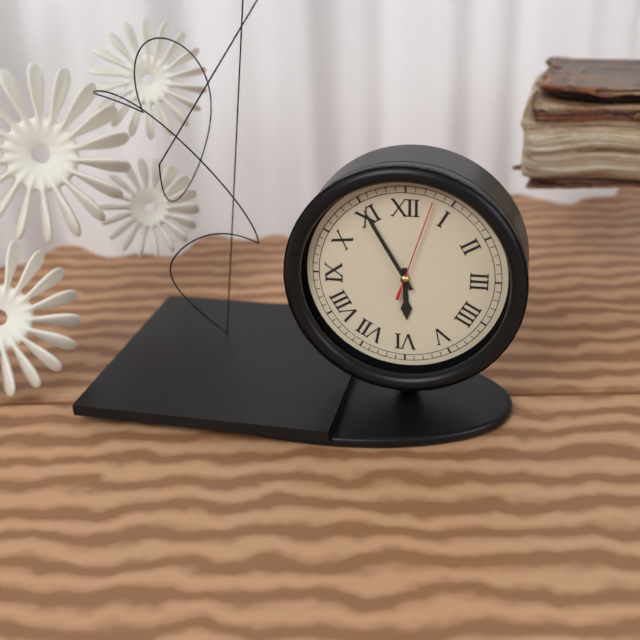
5.55.03
